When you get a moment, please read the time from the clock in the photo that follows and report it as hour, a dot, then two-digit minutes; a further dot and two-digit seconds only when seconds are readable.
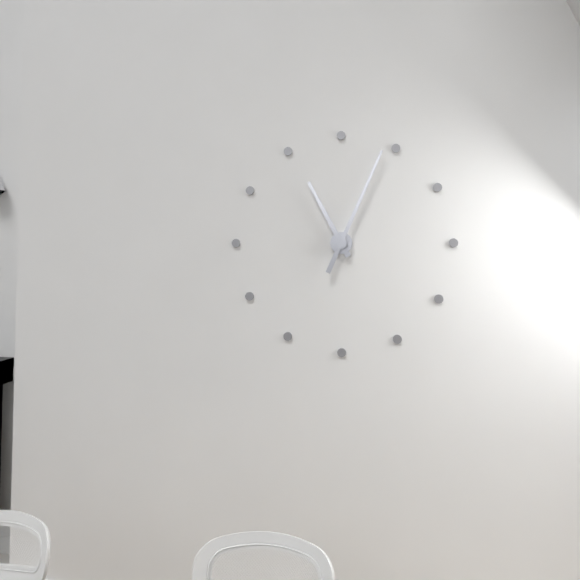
11.04
